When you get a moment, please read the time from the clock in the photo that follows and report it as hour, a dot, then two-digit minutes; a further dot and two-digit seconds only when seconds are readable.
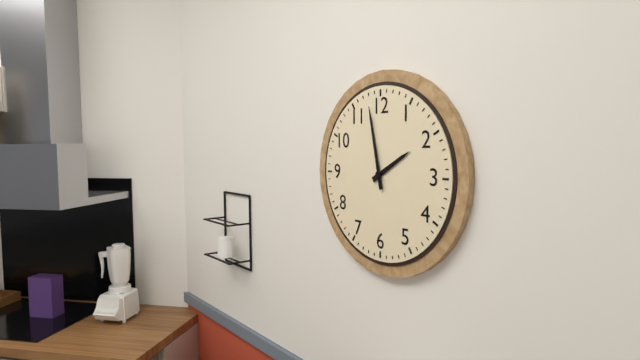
1.58
